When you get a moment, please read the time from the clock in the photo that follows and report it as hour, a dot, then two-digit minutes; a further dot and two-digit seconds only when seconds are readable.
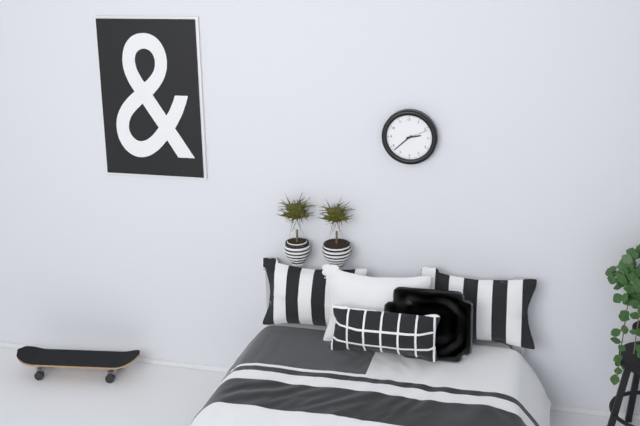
2.38
